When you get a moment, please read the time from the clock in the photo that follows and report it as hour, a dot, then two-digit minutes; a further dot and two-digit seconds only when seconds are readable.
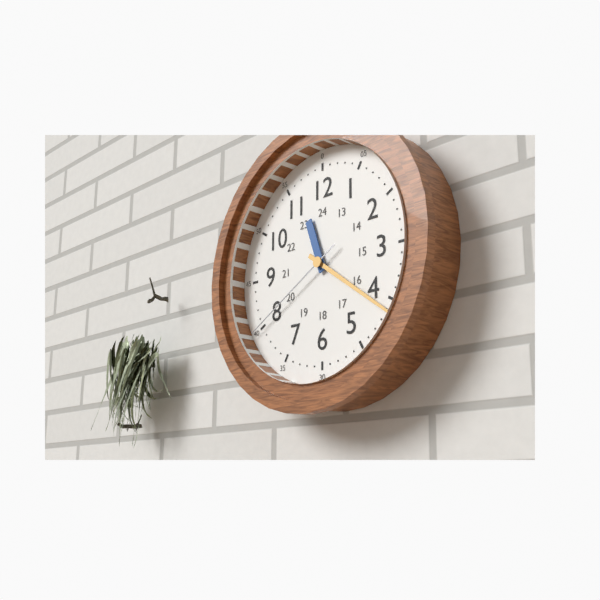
11.21.40
